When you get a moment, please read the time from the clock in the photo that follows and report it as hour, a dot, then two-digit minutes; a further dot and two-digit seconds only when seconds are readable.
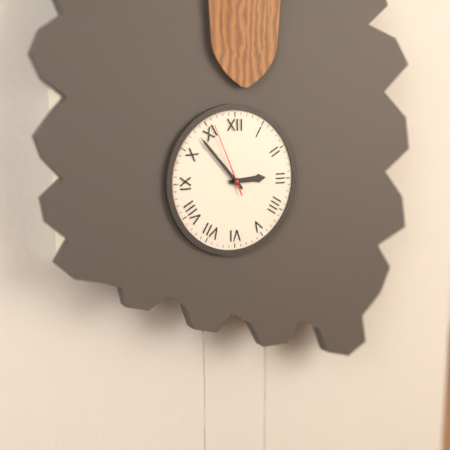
2.53.56
